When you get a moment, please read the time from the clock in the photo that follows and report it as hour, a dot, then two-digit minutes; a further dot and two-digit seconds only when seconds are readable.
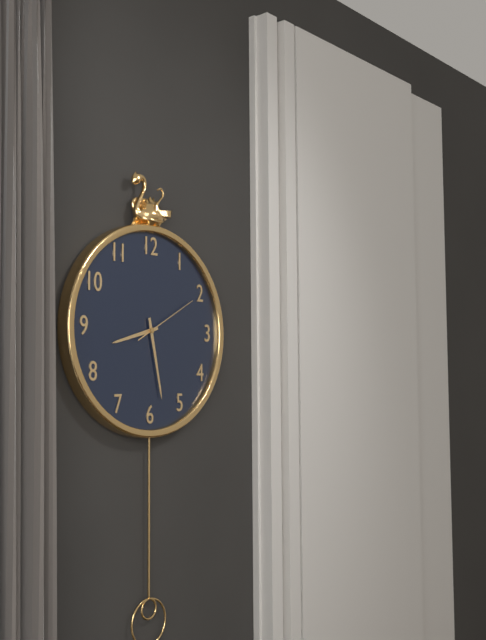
8.28.10
